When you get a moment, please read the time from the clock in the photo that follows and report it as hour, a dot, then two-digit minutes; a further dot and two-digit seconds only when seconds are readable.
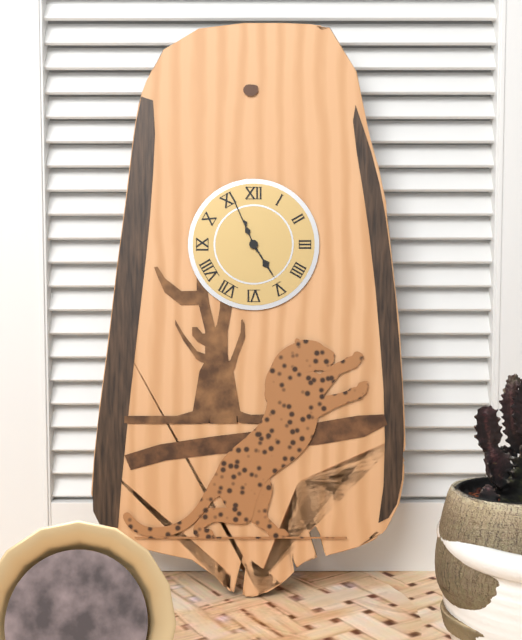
4.56
